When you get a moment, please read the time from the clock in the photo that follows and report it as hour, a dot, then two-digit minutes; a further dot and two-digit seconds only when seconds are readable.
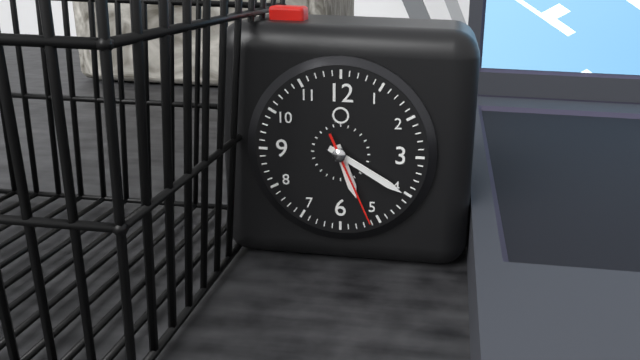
5.20.26
